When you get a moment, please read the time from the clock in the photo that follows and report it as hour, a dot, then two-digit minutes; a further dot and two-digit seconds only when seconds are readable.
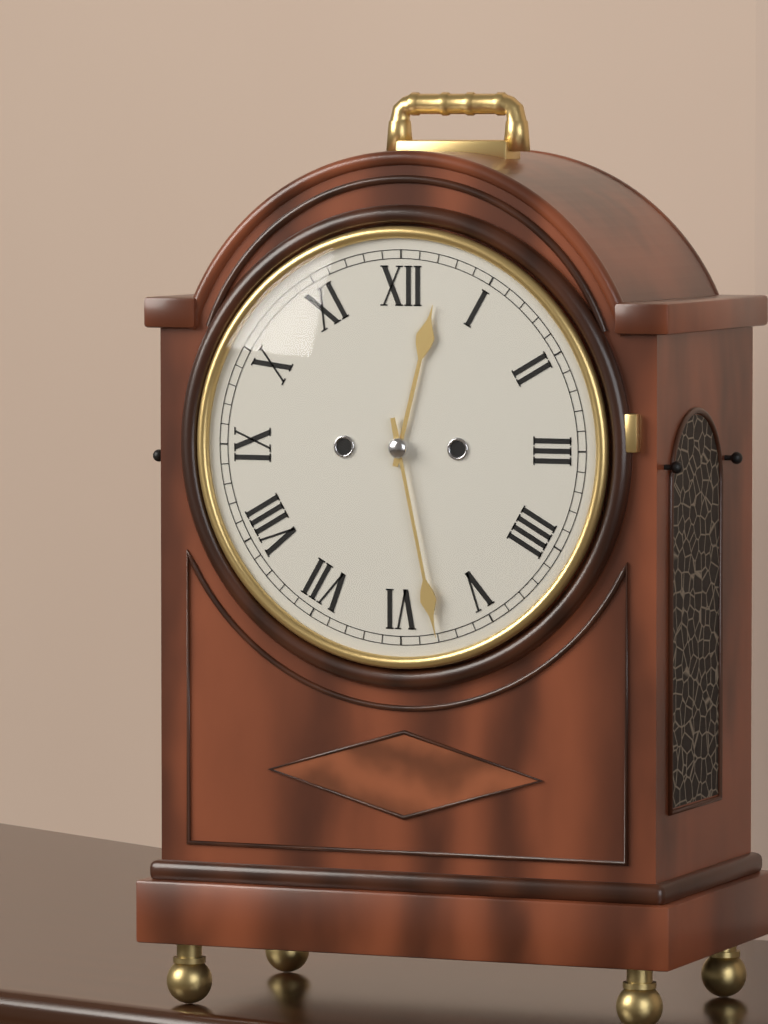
12.28
